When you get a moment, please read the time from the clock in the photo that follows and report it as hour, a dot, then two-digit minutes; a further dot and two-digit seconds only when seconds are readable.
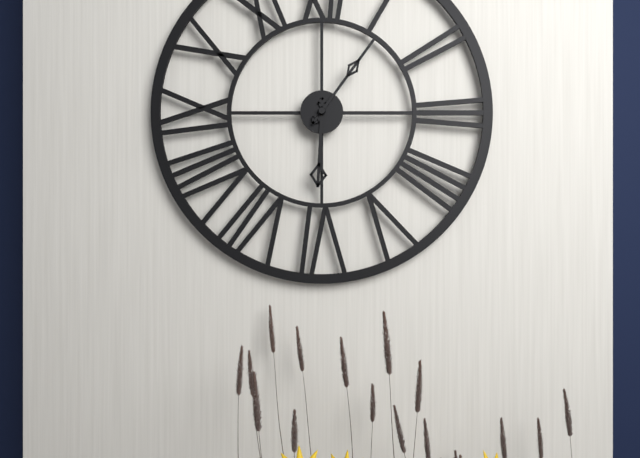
6.06
